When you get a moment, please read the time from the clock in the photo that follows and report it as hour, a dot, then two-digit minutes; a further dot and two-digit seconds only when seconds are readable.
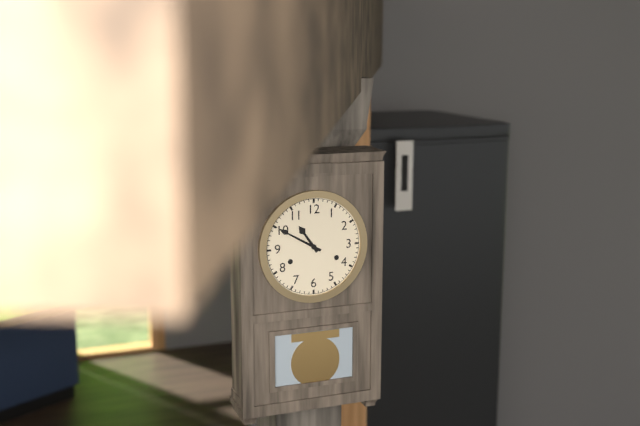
10.50
